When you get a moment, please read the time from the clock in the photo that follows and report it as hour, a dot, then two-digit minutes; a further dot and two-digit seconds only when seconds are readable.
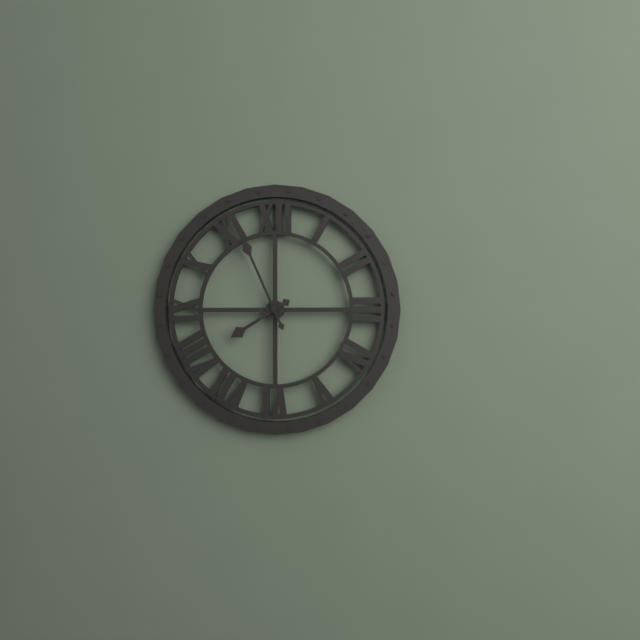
7.56
